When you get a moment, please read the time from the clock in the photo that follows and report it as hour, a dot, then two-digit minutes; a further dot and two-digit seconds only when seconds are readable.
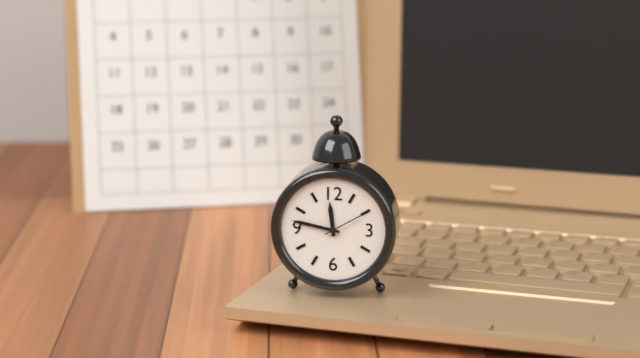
11.47
